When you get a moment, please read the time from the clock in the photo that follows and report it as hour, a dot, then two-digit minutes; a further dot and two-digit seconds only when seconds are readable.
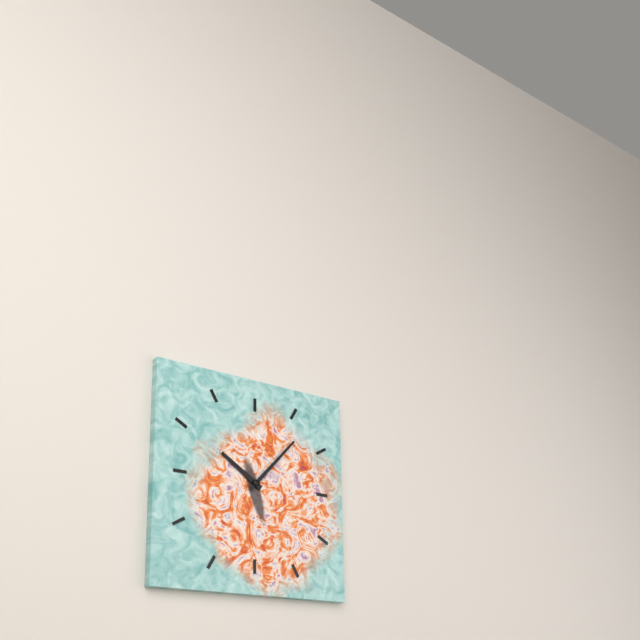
10.07
